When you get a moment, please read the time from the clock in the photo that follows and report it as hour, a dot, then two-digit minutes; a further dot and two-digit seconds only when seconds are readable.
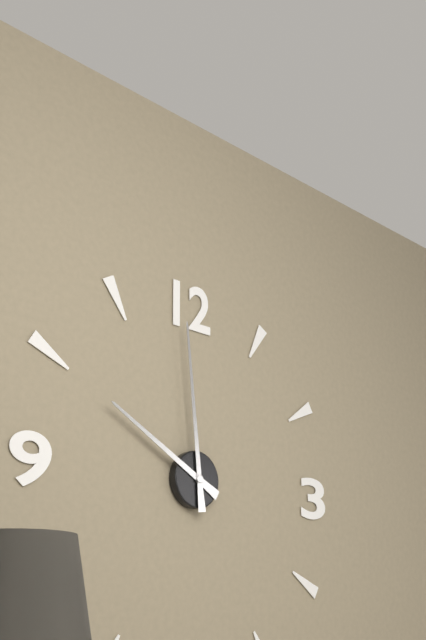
9.59
